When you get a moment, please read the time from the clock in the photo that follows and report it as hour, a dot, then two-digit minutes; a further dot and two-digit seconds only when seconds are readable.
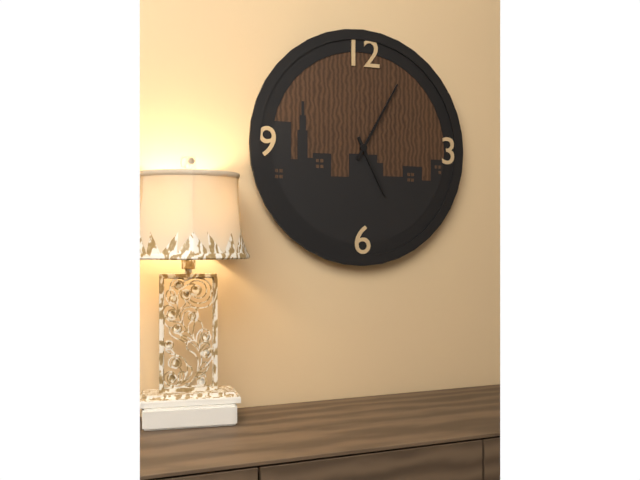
5.05
